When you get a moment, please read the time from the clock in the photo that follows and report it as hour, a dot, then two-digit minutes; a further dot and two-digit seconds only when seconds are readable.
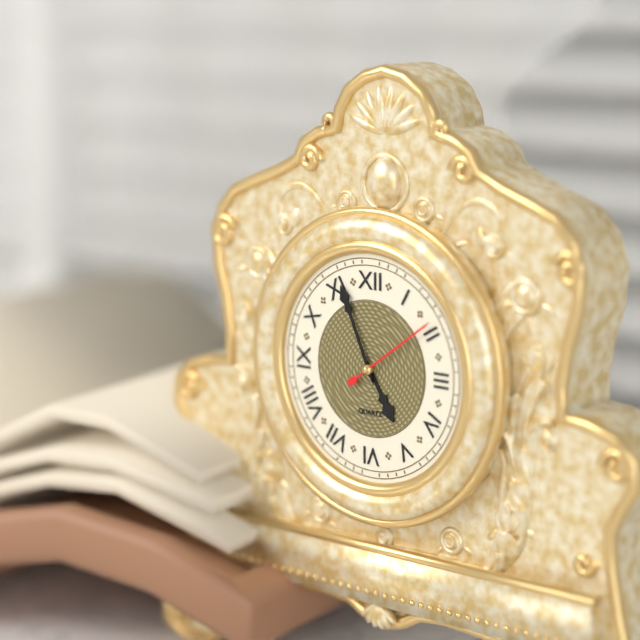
4.56.09
